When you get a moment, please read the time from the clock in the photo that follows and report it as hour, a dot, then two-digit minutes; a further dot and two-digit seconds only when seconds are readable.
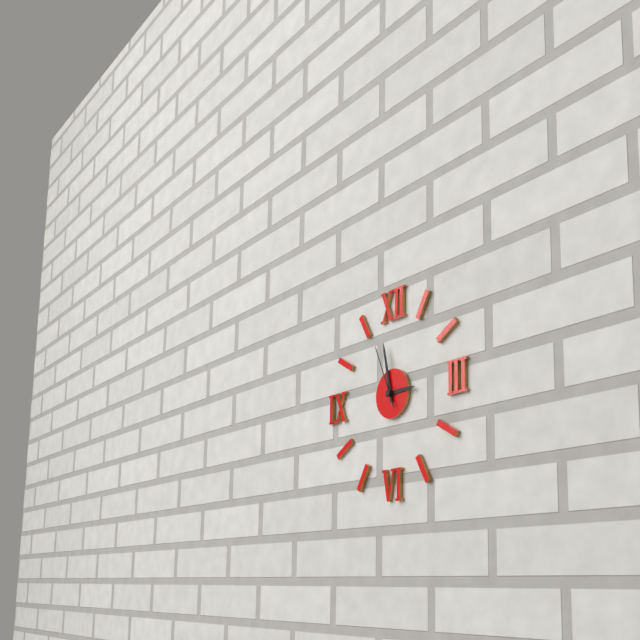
2.58.56
